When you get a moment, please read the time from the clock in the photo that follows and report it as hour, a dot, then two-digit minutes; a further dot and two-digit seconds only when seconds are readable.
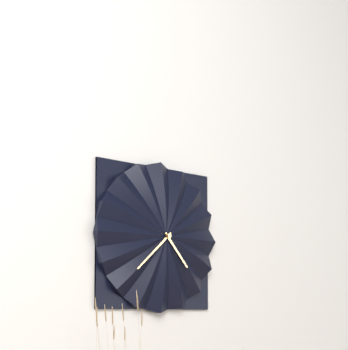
4.38
